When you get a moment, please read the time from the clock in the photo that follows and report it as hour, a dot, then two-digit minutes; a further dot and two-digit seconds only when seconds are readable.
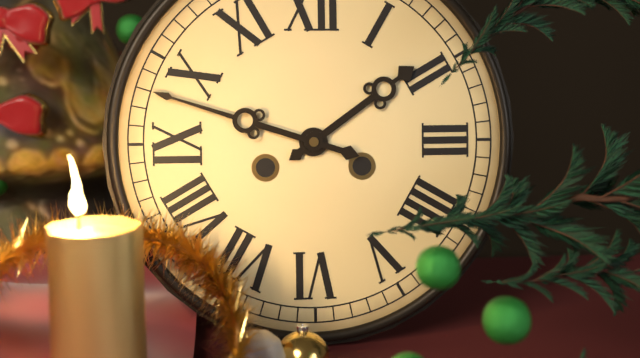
1.48
